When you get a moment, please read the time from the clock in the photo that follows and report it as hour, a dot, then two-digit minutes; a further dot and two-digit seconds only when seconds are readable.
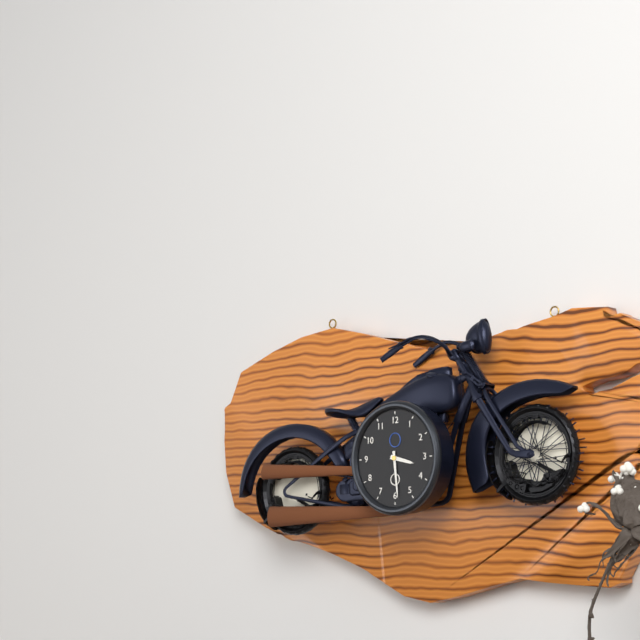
3.29
